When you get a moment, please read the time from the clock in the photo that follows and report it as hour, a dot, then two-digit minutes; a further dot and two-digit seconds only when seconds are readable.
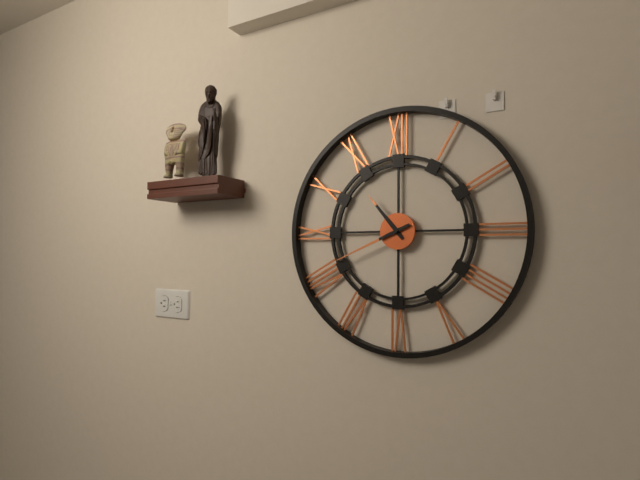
10.41
